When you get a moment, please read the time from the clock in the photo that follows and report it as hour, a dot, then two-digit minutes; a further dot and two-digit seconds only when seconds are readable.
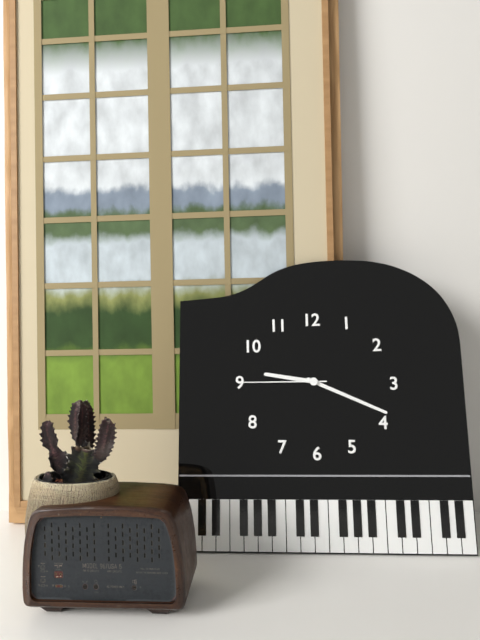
9.19.45
